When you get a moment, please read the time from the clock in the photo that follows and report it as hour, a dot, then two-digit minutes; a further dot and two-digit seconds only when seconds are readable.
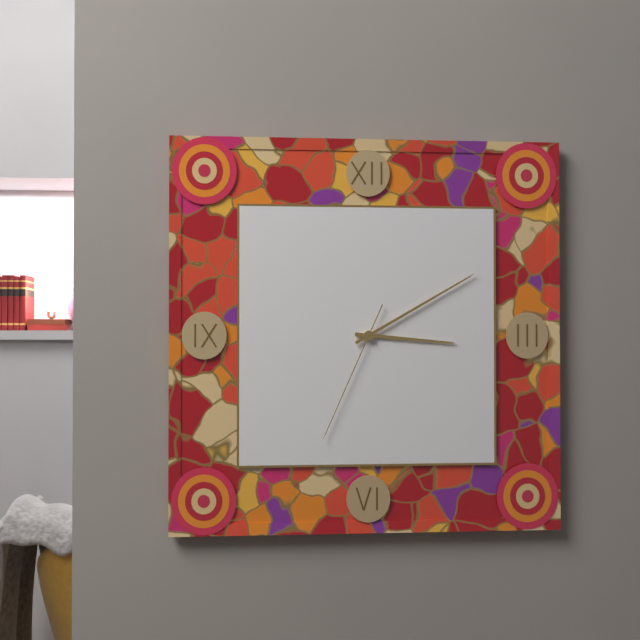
3.10.34
